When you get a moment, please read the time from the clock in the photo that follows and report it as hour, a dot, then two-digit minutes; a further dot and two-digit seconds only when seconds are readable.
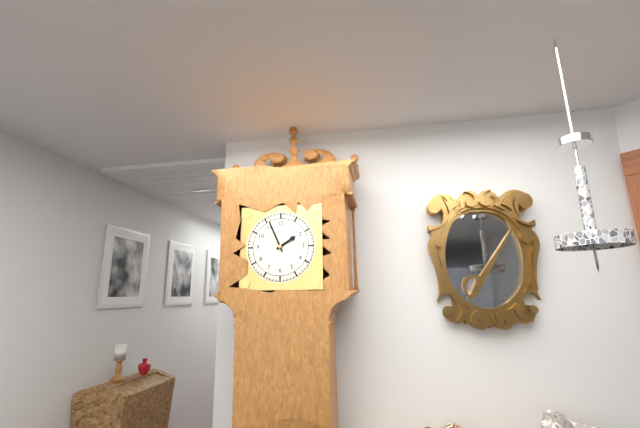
1.56
